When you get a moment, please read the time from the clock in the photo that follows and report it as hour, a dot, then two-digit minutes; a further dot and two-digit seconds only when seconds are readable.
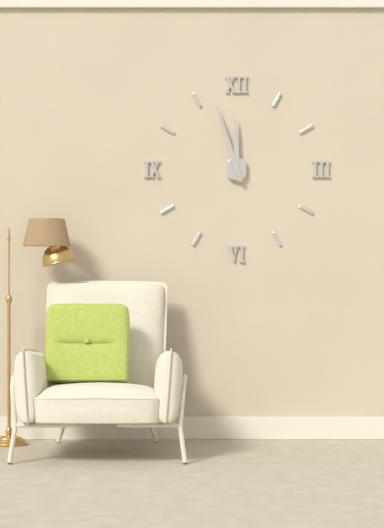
11.57
